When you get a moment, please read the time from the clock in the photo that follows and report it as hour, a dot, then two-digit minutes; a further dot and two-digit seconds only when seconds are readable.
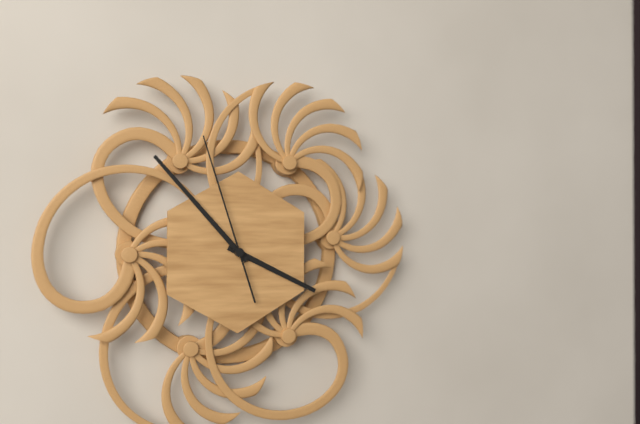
3.53.57
